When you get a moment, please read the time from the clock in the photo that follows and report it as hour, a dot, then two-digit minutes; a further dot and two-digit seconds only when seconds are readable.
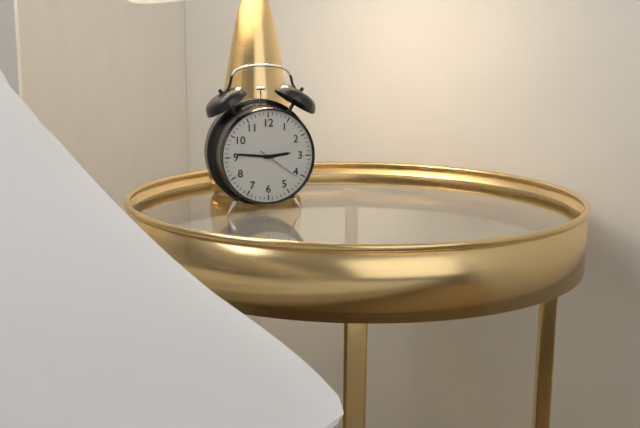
2.46.21
